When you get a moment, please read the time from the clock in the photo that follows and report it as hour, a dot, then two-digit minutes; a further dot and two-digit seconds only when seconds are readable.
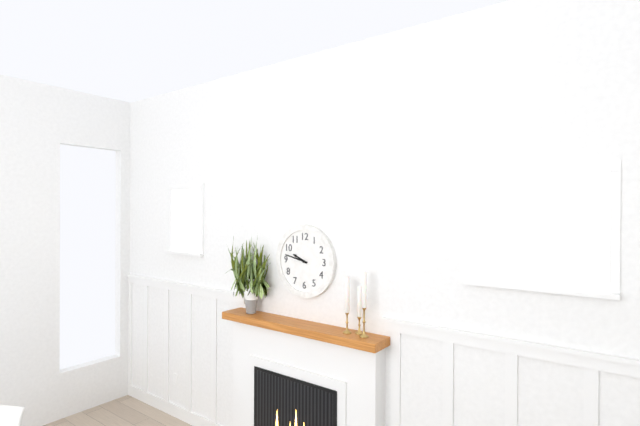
9.47
